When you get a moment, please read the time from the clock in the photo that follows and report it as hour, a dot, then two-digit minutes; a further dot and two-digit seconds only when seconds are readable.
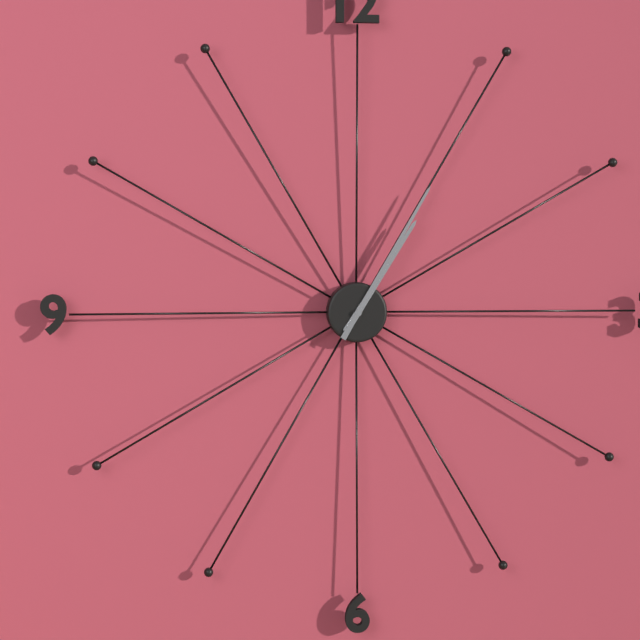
1.05
